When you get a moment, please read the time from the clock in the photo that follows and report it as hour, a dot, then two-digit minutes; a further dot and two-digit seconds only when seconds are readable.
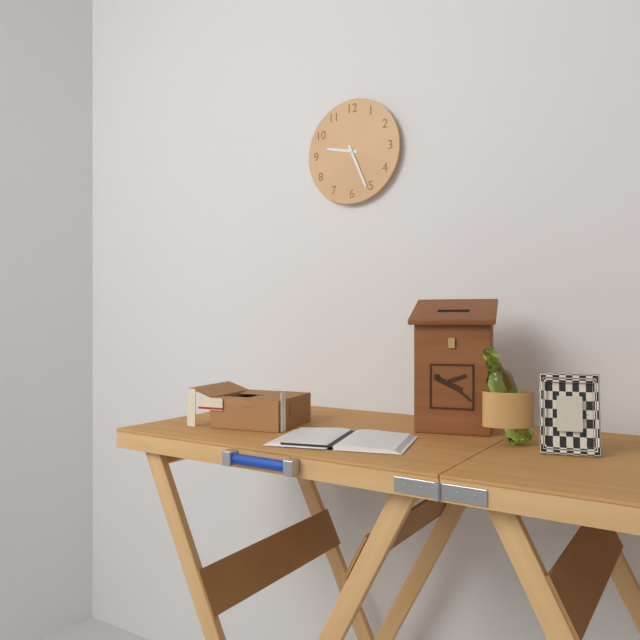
9.26
